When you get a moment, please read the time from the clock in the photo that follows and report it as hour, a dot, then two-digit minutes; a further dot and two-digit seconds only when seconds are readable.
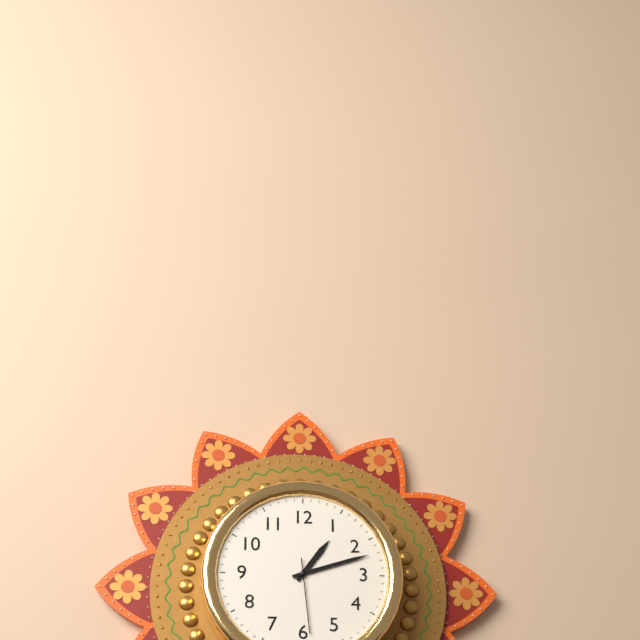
1.12.29
